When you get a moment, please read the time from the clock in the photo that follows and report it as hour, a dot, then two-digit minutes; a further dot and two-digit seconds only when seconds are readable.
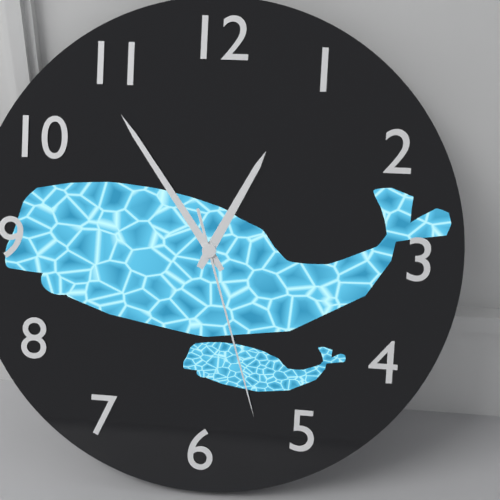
12.54.27
